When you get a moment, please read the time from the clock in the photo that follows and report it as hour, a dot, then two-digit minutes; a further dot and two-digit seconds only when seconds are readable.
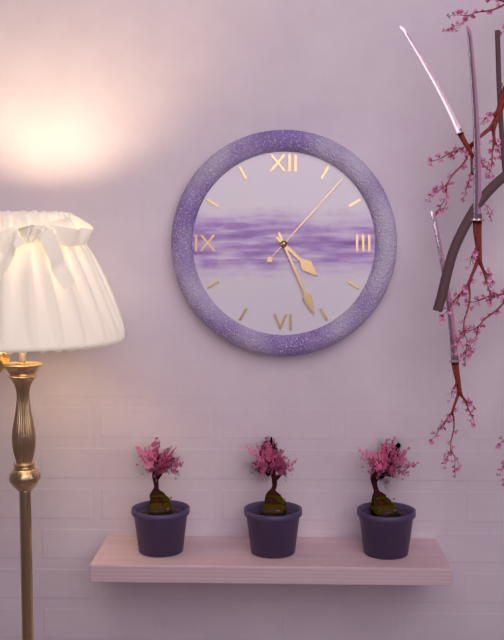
4.26.07
